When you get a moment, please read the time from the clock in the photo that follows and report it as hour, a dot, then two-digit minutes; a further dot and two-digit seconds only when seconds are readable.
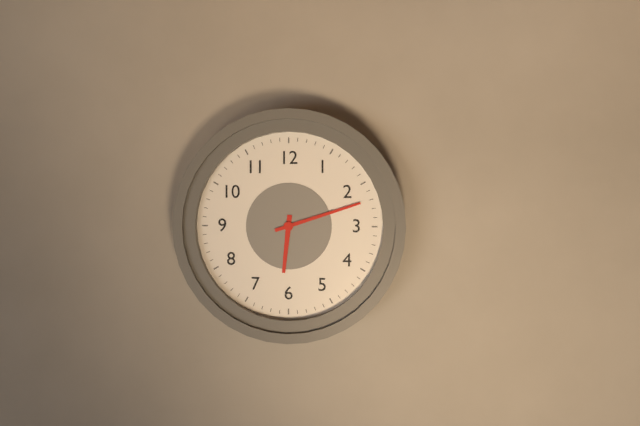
6.12
